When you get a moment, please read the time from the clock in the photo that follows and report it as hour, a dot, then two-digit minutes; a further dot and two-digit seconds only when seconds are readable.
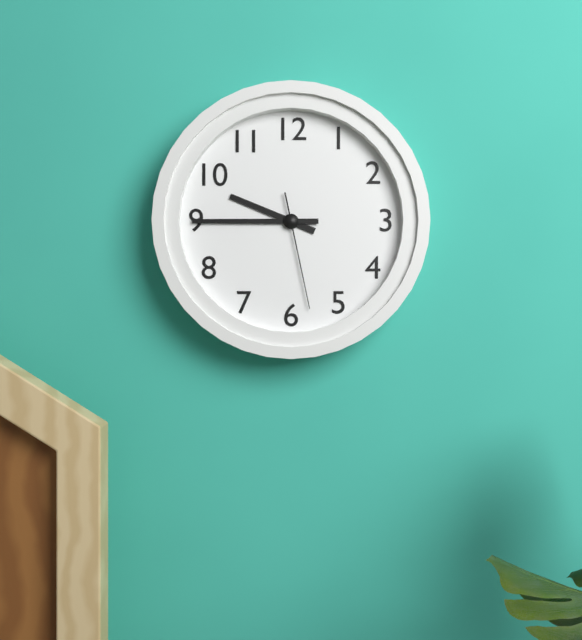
9.45.28
